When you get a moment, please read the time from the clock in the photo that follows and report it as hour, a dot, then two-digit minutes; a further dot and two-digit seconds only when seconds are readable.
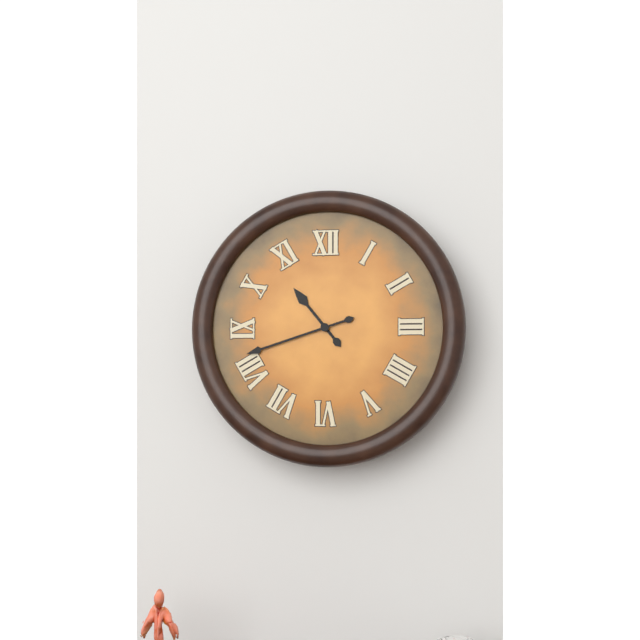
10.42
